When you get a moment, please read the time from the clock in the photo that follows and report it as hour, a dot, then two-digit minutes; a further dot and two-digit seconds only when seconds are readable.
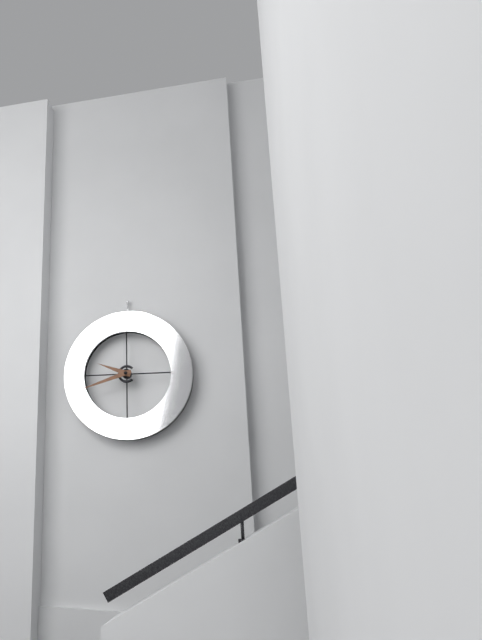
9.42
